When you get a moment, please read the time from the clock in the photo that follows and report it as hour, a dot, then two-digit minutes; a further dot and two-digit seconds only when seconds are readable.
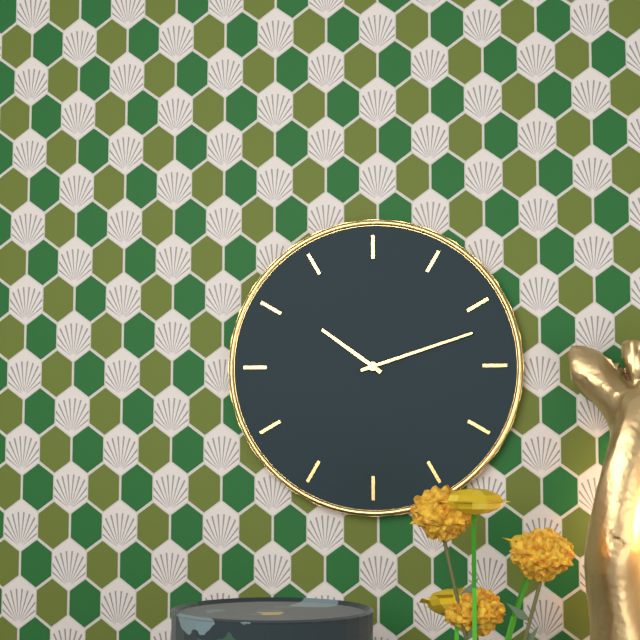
10.12
